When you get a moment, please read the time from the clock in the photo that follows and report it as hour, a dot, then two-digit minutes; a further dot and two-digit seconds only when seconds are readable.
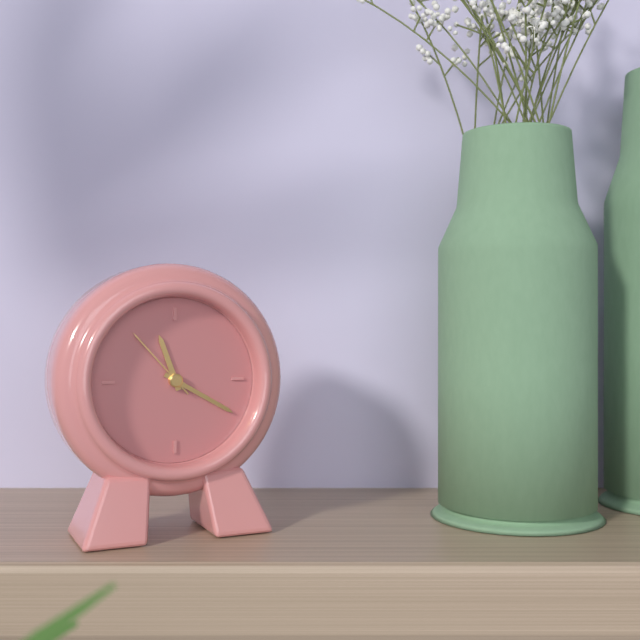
11.20.53
